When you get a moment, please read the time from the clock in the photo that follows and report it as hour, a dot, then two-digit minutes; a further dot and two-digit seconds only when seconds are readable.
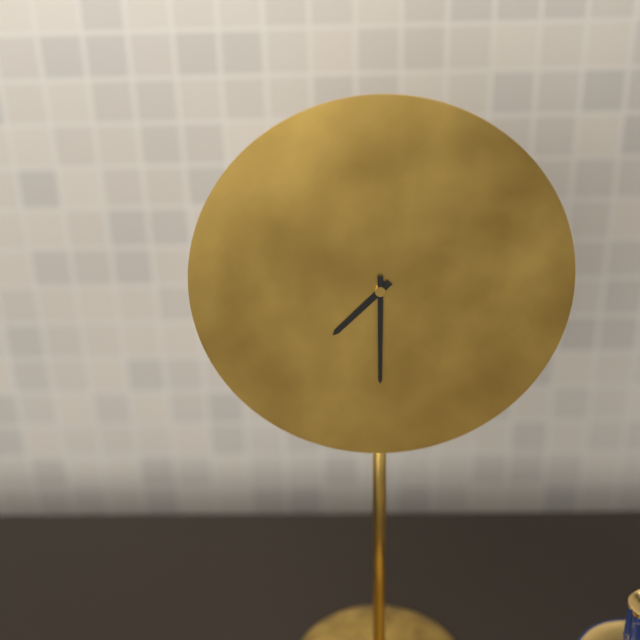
7.30
